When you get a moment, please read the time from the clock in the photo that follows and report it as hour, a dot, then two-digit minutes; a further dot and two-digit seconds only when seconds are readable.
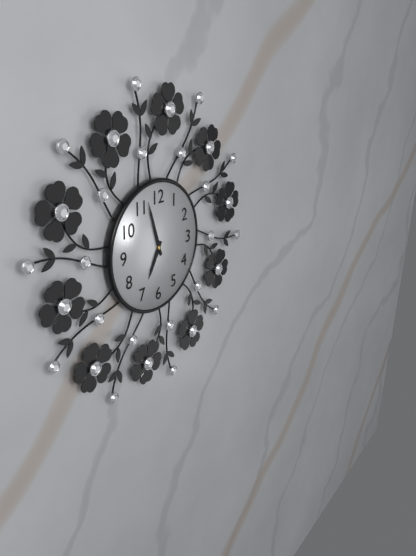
6.57
